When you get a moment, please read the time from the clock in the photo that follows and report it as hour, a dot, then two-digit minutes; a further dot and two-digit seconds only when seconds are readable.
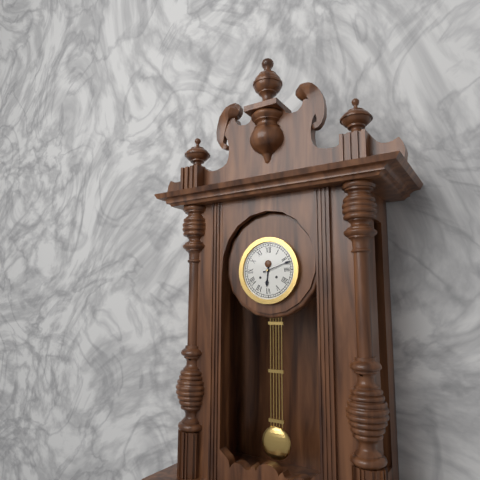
6.12
